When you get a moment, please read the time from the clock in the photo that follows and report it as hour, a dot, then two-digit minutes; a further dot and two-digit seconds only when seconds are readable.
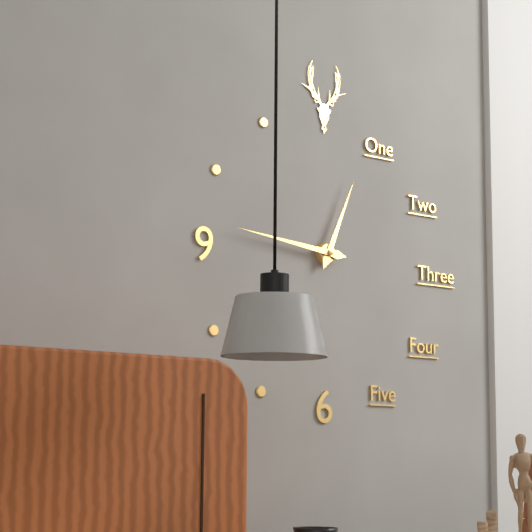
12.46
